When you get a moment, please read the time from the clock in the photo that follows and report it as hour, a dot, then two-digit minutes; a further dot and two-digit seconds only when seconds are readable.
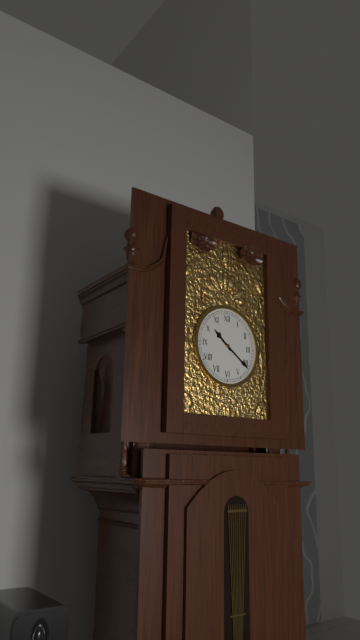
10.21
